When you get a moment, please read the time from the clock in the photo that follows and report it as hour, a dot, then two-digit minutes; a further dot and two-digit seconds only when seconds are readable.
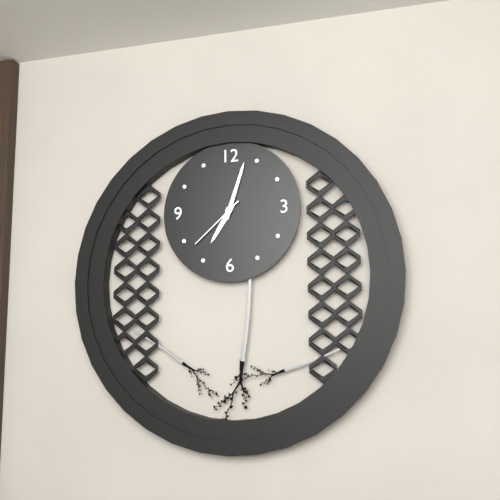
7.03.38
